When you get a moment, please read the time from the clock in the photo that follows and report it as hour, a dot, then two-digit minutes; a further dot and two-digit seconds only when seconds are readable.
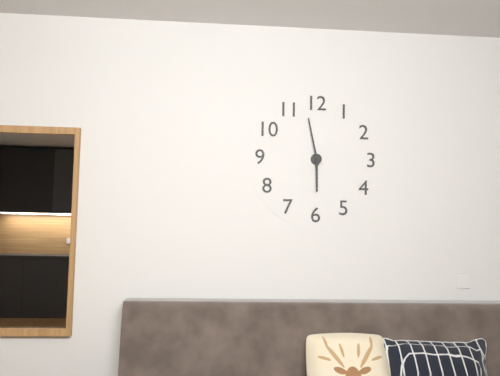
5.58
